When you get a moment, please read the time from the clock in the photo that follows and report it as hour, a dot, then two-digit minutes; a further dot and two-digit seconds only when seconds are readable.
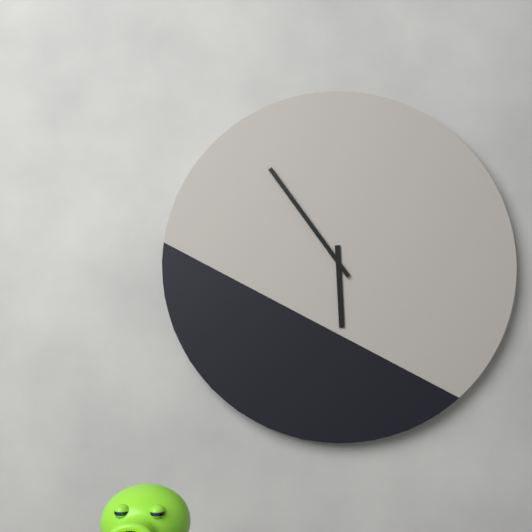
5.54
